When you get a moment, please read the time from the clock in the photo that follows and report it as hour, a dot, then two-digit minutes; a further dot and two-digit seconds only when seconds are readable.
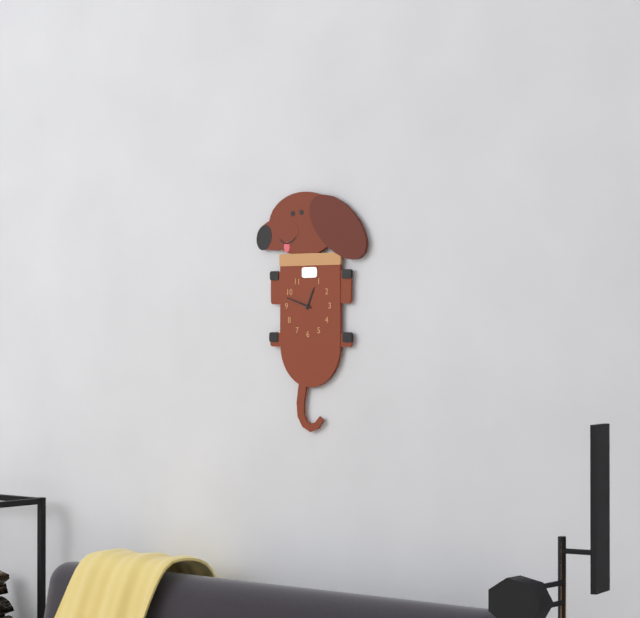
12.48
